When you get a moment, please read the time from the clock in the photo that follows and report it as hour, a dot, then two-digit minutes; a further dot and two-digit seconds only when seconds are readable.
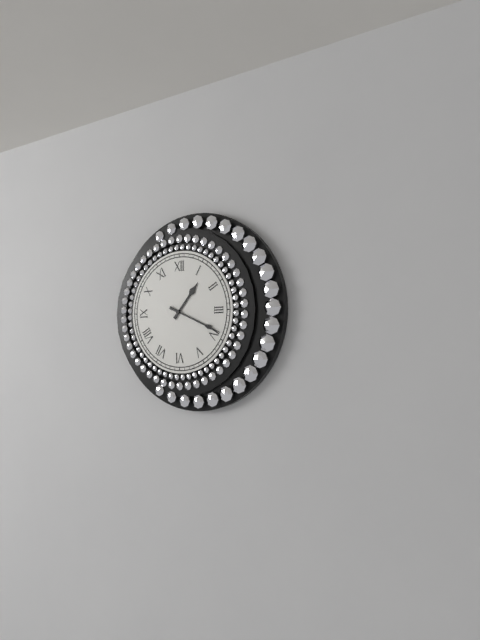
1.19
